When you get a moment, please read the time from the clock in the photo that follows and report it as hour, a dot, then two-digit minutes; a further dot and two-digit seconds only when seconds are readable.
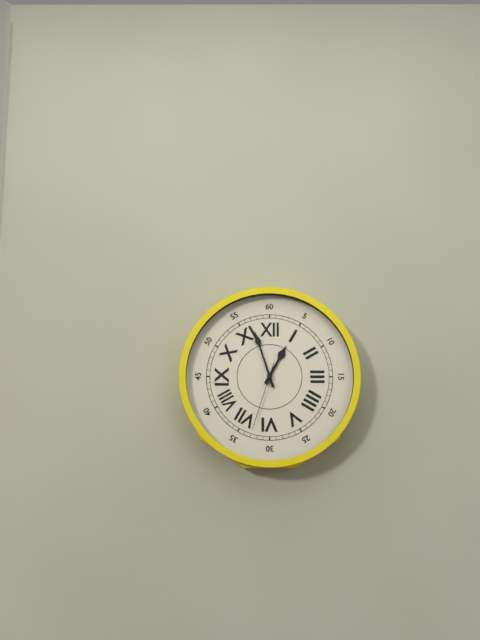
12.57.33
